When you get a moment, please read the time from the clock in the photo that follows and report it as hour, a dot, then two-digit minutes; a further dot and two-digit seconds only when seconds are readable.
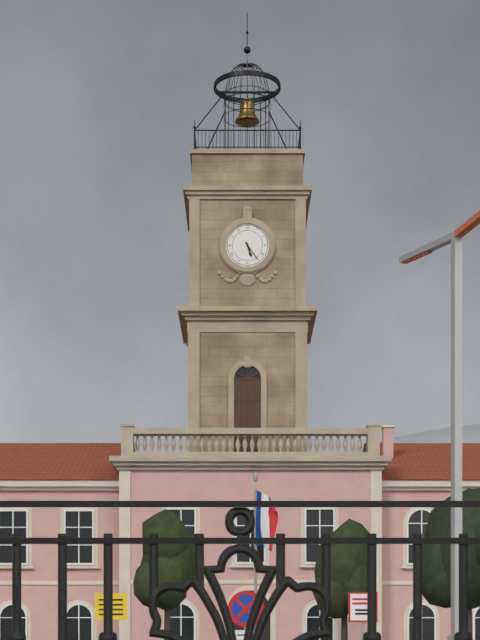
5.24
